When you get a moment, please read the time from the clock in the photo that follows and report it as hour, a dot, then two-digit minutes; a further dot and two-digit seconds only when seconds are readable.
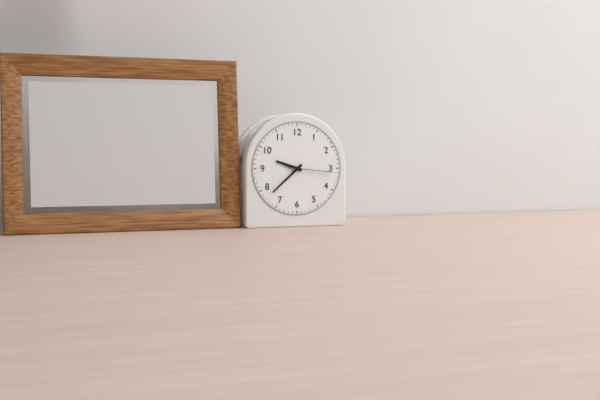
9.38
